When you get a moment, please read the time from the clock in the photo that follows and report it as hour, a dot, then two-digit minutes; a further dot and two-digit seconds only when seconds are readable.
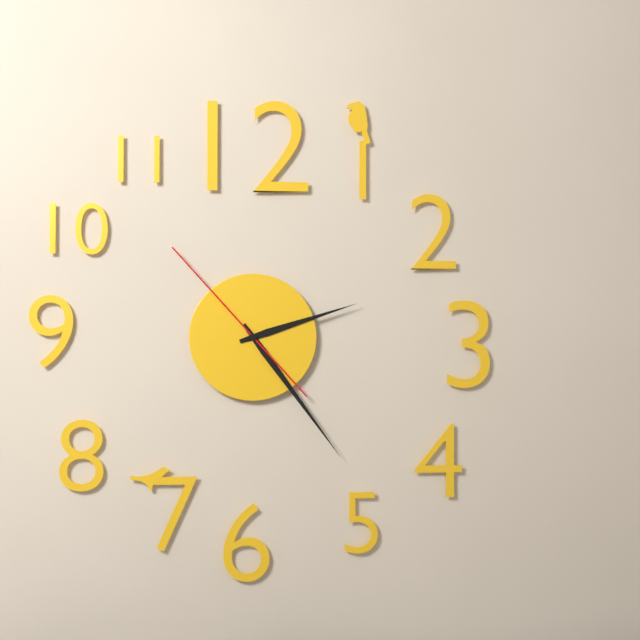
2.24.53
